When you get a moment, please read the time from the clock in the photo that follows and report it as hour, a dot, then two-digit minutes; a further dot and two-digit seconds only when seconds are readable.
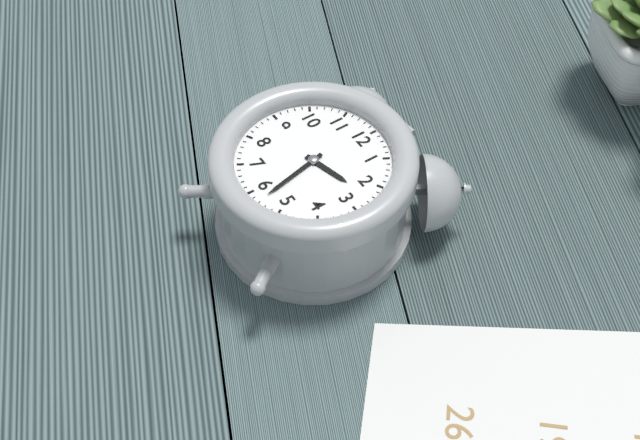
2.28
